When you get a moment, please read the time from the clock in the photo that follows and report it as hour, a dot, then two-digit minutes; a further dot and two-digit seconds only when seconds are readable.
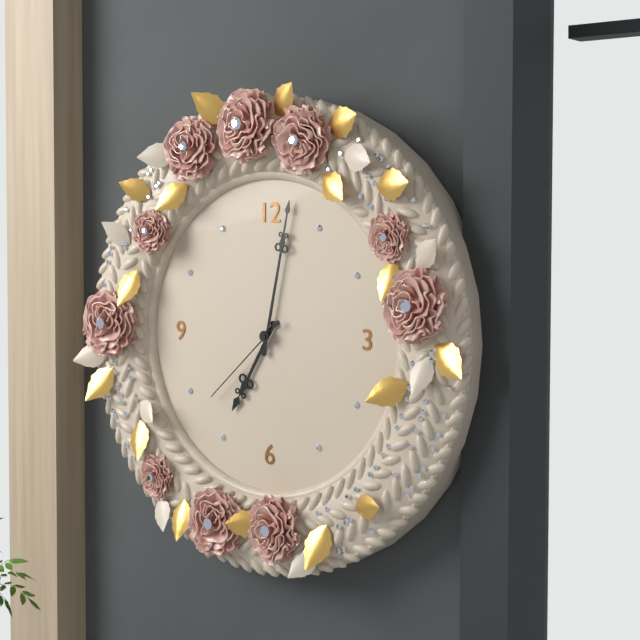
7.02.38
